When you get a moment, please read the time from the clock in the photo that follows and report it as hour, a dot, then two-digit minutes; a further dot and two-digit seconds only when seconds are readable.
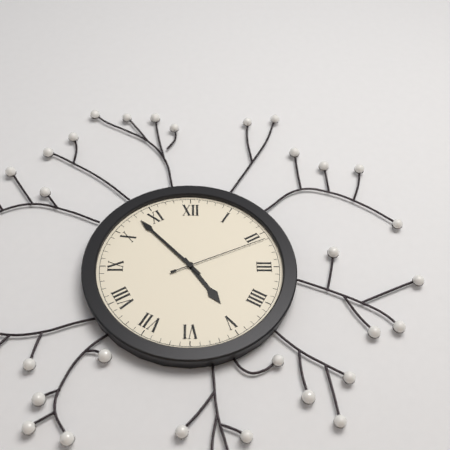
4.53.11
